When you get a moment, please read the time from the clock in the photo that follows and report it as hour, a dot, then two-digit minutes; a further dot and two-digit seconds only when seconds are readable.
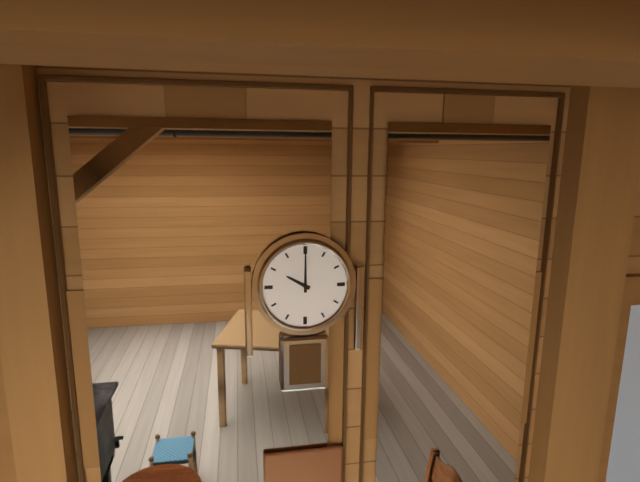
10.00
